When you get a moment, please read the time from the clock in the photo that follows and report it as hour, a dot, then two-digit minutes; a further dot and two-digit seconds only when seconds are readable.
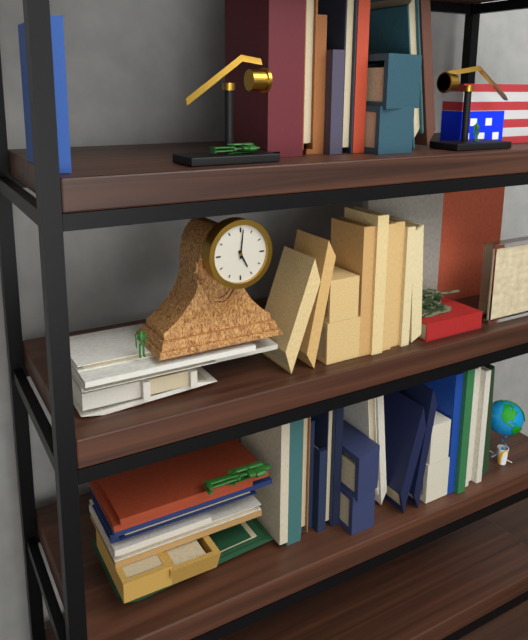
5.01
